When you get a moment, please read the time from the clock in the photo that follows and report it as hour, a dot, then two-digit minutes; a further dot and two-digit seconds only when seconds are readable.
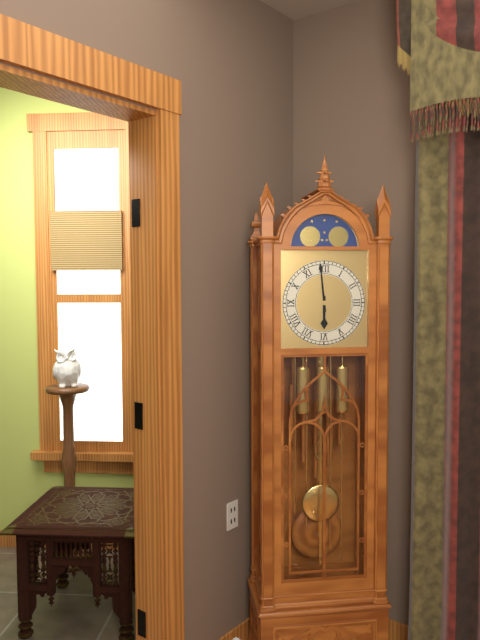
5.59
